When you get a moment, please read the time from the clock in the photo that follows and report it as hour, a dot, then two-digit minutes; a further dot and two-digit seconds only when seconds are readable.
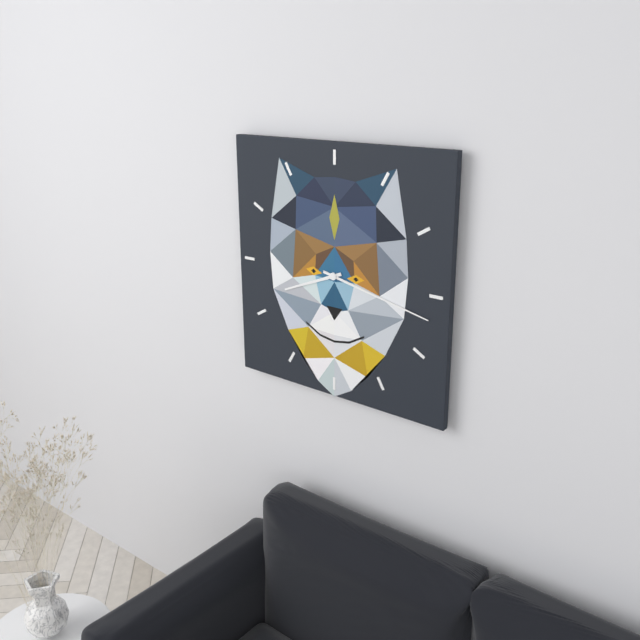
8.17
